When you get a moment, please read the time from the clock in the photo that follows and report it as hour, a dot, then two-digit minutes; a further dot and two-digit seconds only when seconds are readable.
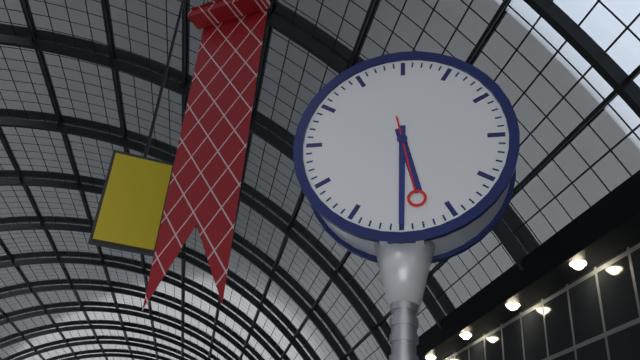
5.30.28
